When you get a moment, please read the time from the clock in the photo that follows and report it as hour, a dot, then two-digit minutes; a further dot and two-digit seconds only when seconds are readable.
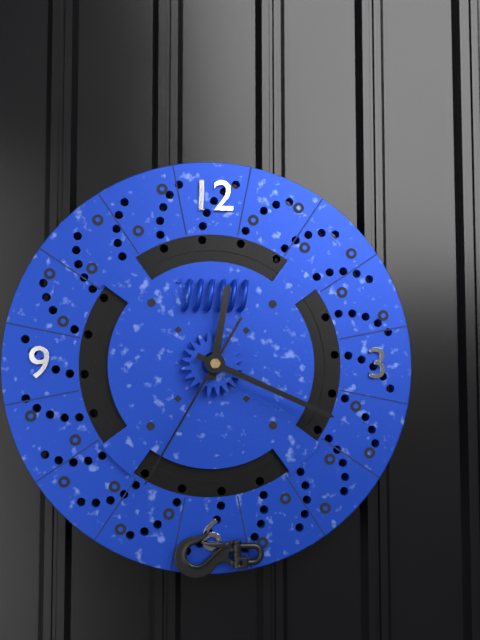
12.19.35
